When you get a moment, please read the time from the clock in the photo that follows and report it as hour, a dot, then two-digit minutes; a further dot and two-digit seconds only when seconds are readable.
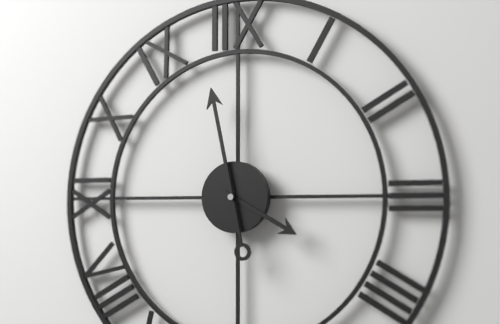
3.58
